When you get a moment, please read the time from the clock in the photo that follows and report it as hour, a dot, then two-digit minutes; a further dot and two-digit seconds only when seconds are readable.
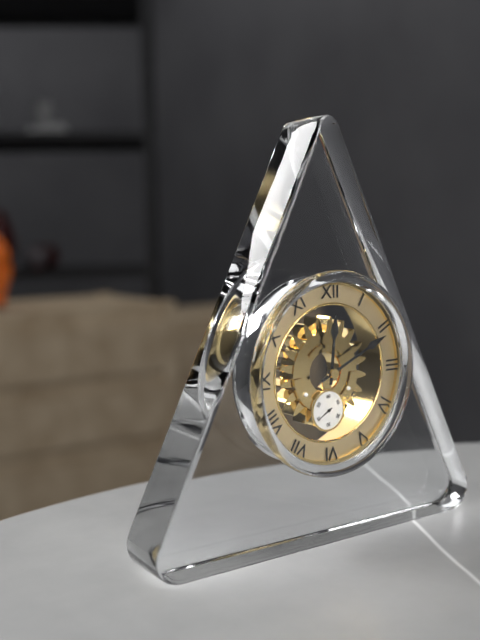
12.11
